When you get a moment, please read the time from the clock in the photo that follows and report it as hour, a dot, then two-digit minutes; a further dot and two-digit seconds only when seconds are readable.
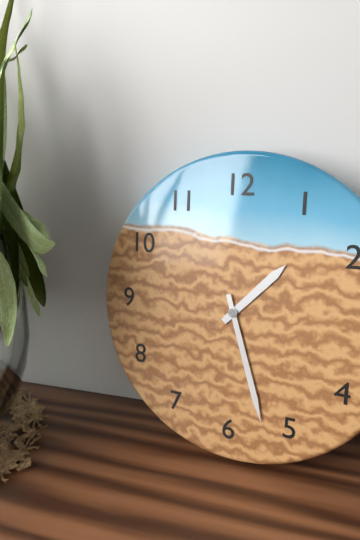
1.27
